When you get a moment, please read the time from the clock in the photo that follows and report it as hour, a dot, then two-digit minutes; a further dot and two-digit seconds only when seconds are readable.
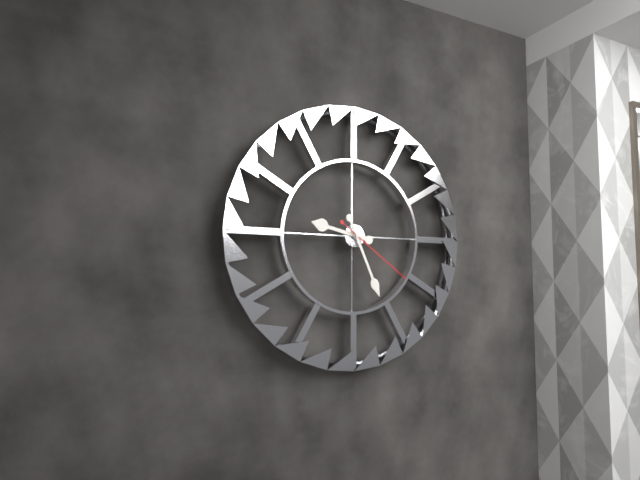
9.26.21
